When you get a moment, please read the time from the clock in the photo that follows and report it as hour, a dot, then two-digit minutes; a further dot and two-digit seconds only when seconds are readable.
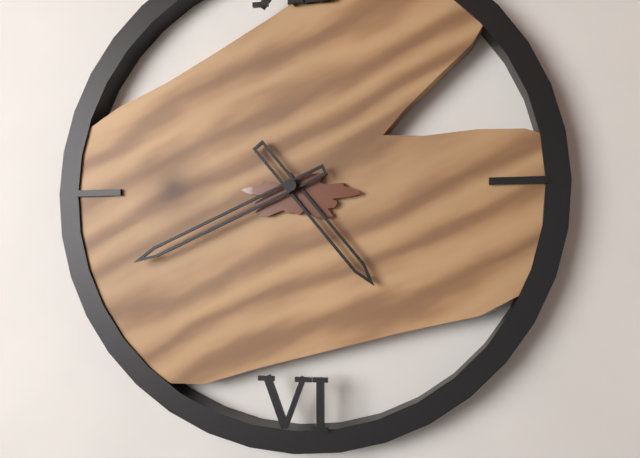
4.41
